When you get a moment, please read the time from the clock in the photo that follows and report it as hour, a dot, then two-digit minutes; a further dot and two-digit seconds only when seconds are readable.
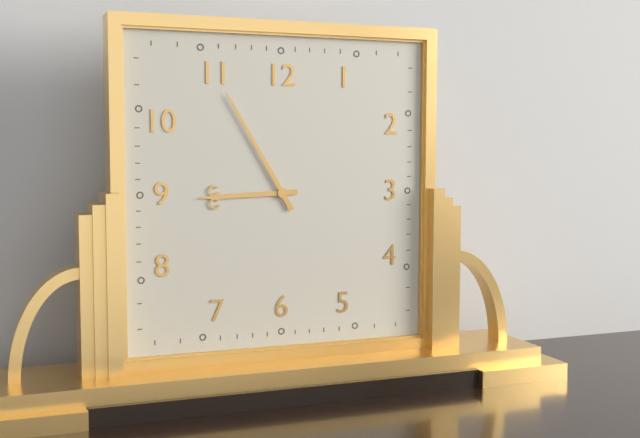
8.55
